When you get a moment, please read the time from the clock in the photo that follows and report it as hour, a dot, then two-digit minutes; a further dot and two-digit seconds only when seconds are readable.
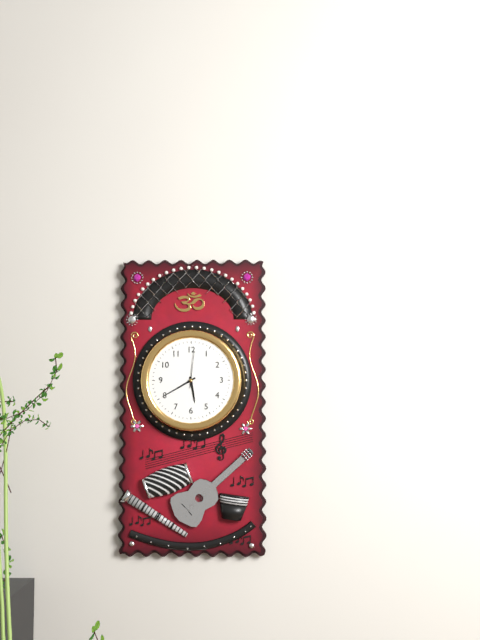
5.40
